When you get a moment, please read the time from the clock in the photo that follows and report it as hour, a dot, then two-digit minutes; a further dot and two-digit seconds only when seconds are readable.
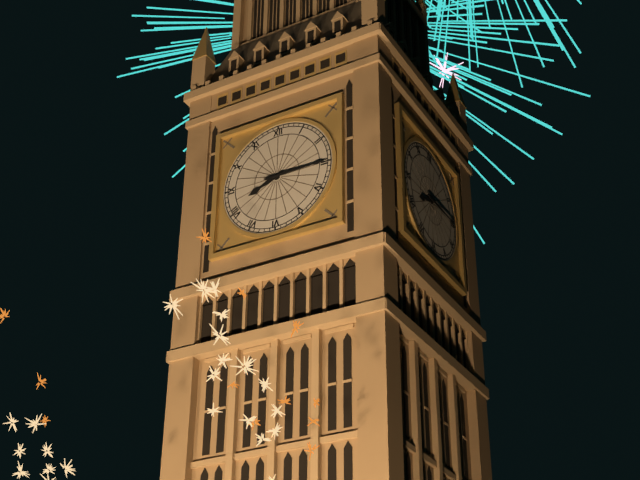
8.15
